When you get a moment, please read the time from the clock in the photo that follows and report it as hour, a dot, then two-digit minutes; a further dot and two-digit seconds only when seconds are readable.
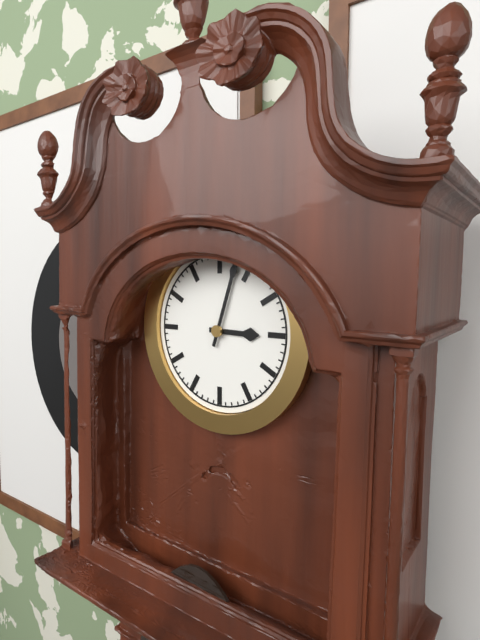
3.03
